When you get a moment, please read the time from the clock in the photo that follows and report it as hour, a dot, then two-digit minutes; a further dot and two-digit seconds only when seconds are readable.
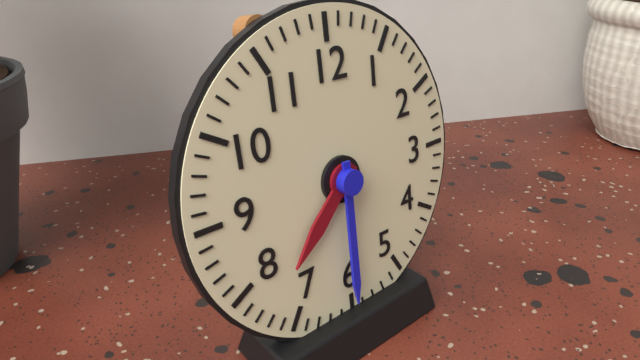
7.30
